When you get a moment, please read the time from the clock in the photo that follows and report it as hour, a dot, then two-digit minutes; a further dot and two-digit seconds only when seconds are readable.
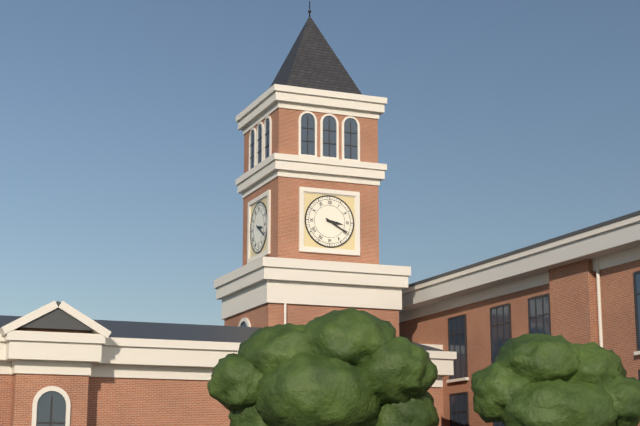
3.20
